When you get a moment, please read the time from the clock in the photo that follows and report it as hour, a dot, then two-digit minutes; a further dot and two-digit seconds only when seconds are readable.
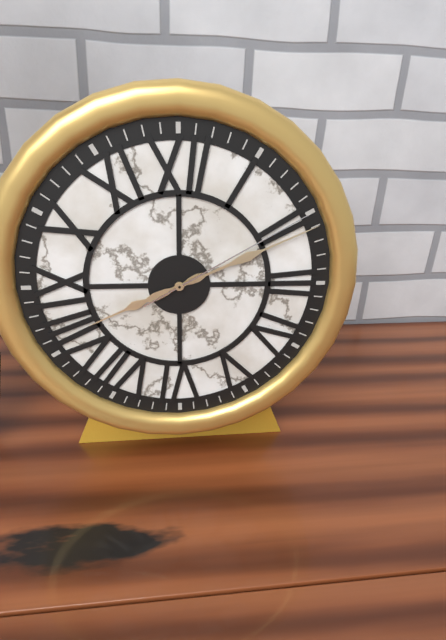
8.11.10
